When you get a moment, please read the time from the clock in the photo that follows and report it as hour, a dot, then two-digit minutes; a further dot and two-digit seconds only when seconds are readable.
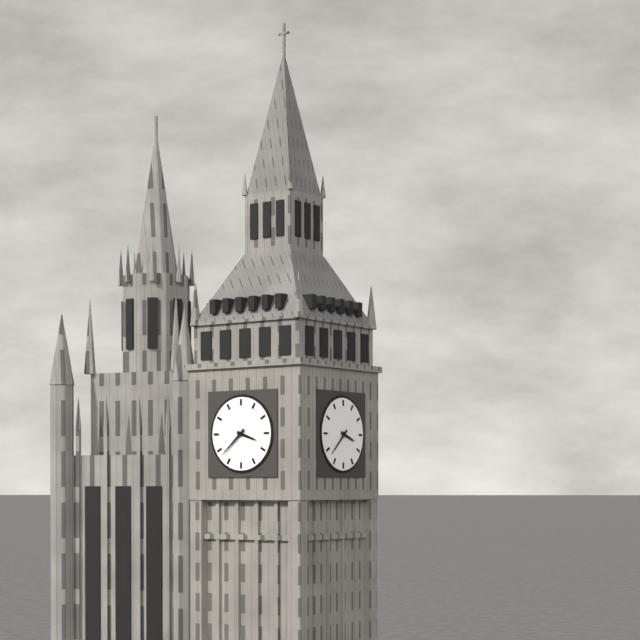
3.38
